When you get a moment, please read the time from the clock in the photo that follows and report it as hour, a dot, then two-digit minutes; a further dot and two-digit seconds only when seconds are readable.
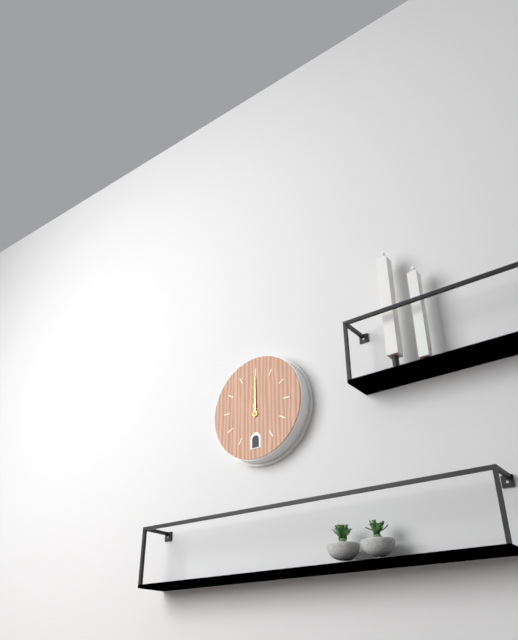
12.00
